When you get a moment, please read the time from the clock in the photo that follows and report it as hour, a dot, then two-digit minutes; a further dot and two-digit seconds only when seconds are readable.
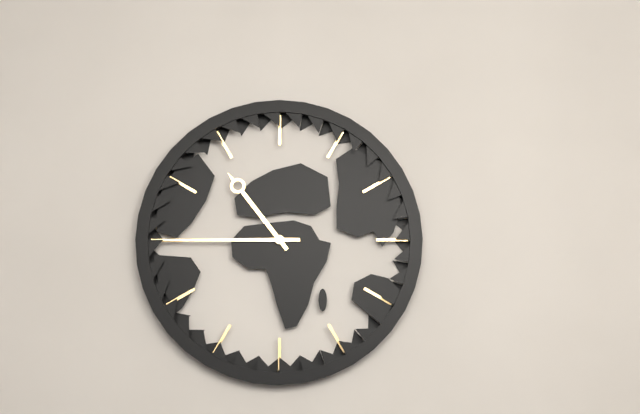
10.45
